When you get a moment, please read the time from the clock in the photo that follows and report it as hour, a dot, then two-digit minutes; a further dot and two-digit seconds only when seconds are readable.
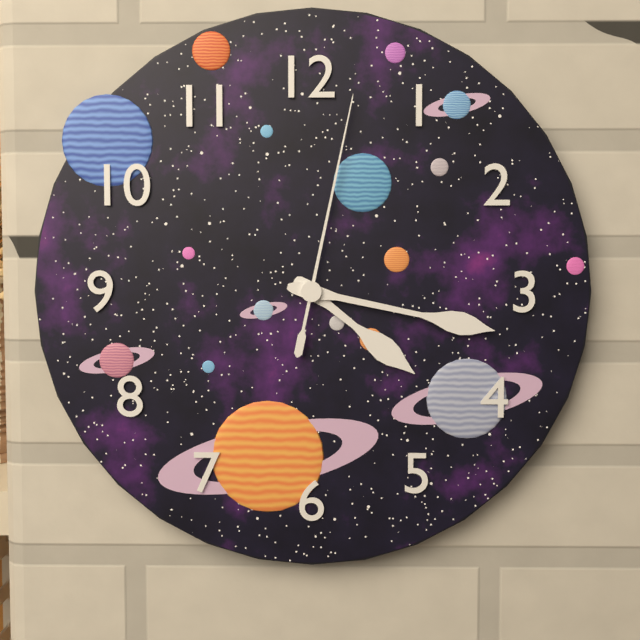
4.17.02
